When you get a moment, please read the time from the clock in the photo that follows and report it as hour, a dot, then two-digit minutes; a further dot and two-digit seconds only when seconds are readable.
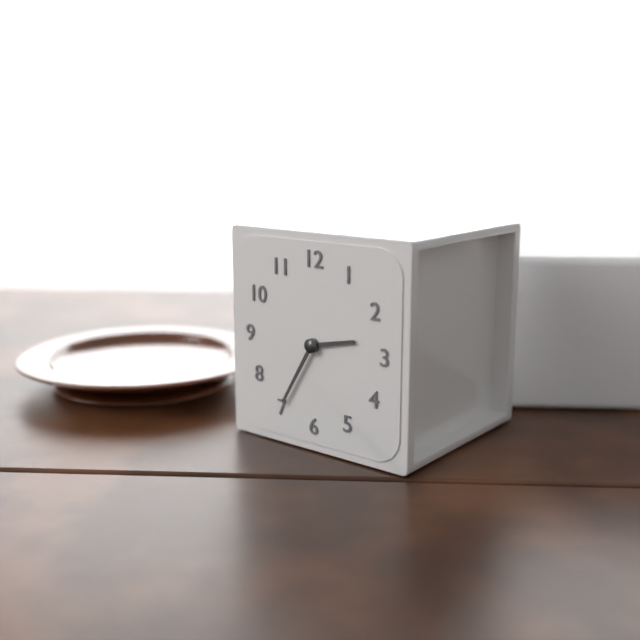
2.35
